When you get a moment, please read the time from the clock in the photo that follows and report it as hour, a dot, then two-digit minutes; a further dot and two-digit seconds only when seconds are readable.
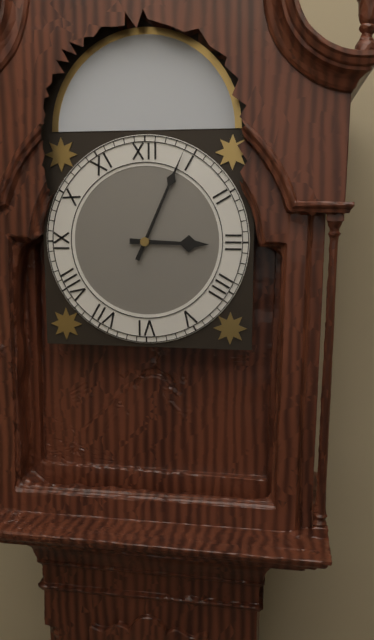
3.04
